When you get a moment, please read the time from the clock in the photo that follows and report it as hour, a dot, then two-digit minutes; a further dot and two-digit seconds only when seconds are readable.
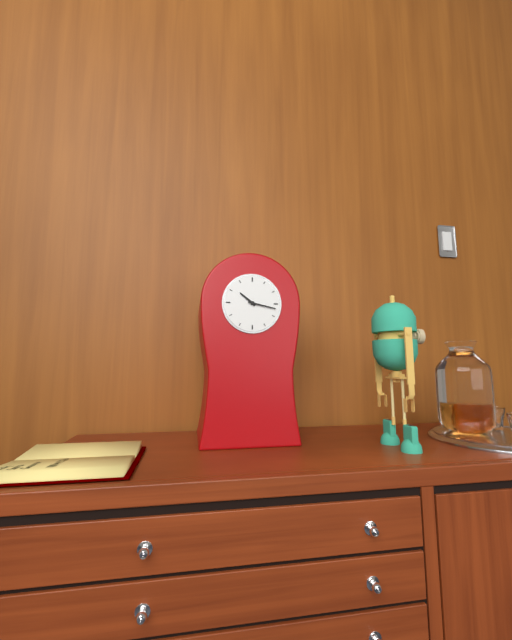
10.17
